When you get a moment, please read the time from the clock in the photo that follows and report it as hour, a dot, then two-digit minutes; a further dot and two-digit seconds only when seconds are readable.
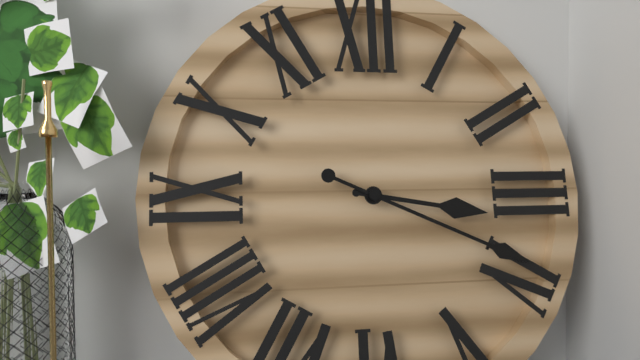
3.19
